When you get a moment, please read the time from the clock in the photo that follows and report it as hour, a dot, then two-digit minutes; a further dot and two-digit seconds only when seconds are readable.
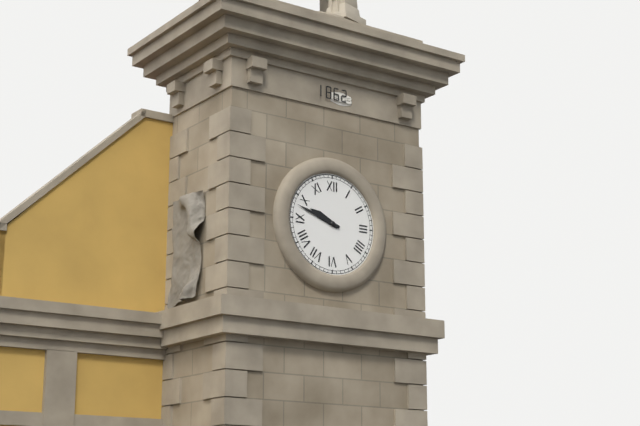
9.48
